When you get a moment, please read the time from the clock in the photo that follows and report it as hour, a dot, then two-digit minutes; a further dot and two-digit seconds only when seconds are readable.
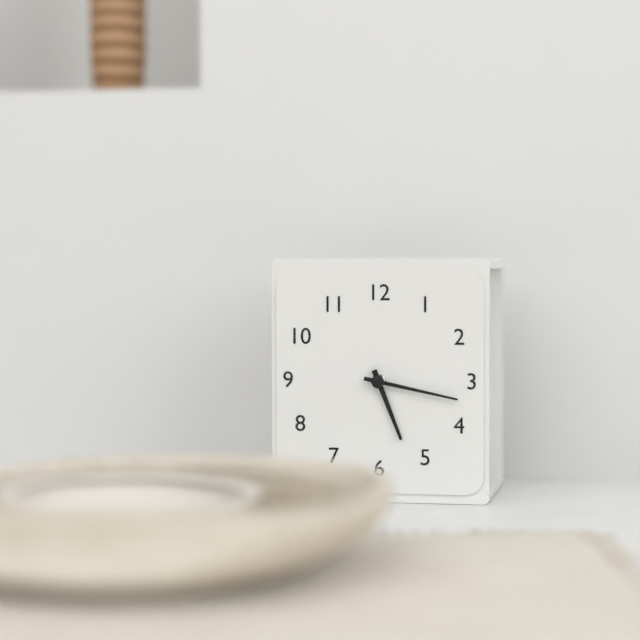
5.17
